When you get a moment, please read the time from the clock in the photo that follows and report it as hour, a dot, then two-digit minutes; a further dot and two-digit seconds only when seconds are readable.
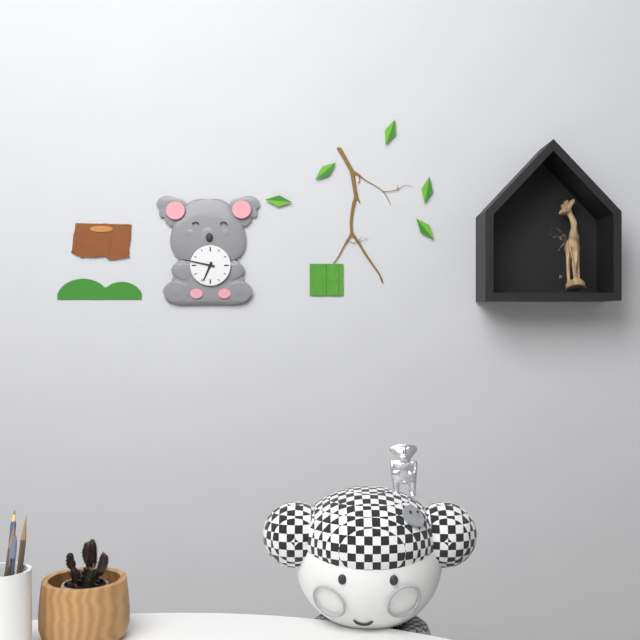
6.47
